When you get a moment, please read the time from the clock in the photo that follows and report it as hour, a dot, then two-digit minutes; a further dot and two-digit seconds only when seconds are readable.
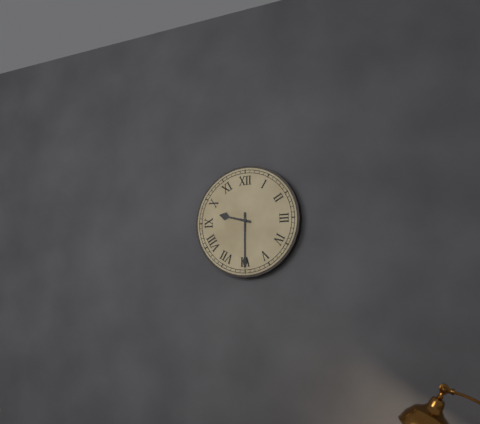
9.30
